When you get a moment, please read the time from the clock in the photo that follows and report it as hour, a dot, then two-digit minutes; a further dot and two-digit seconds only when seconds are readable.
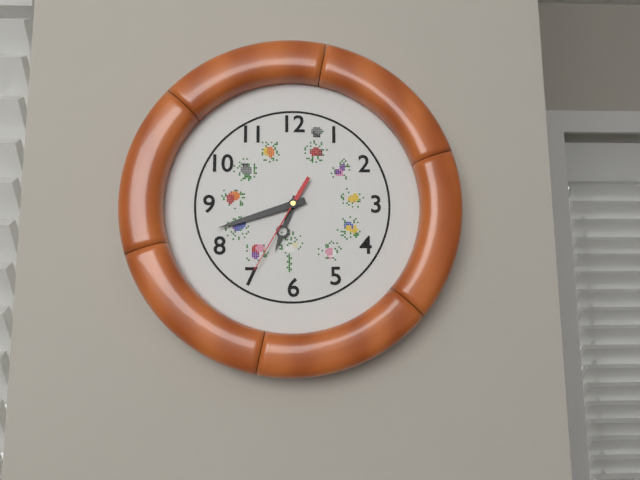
6.42.35
